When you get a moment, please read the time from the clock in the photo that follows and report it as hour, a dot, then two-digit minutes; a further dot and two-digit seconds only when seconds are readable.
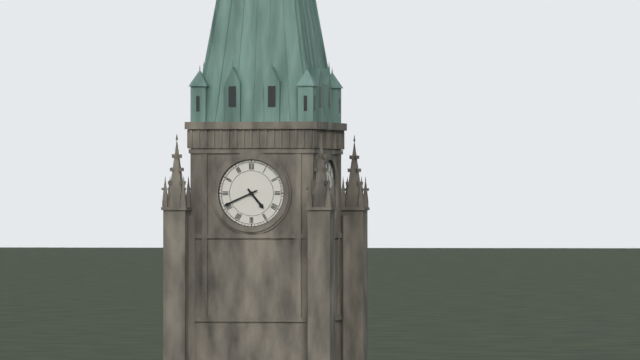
4.41
